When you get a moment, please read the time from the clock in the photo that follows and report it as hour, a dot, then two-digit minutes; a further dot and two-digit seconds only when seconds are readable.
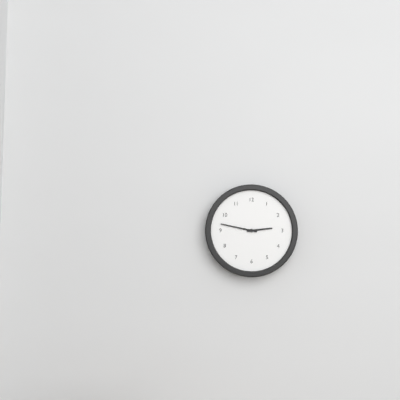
2.47
